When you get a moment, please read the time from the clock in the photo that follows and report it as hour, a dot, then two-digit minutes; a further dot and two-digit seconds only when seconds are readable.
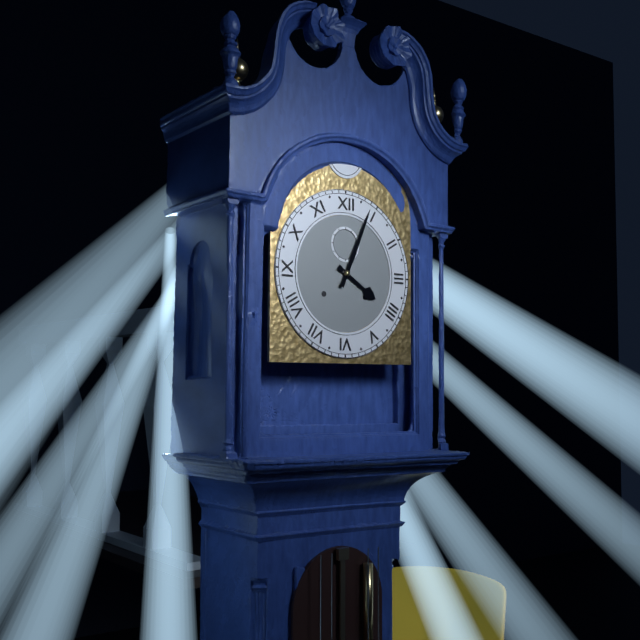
4.04
